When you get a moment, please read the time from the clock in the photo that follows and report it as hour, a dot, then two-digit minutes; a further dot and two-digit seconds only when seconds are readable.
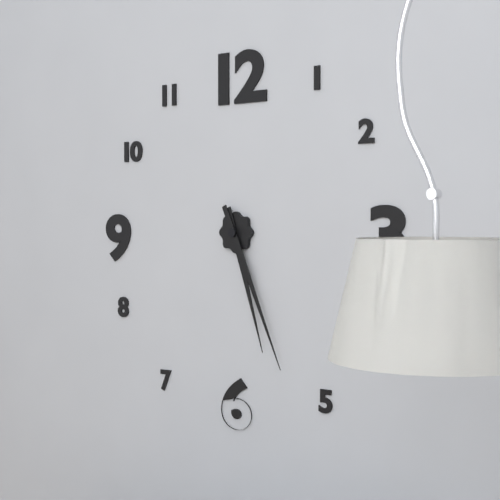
5.26
